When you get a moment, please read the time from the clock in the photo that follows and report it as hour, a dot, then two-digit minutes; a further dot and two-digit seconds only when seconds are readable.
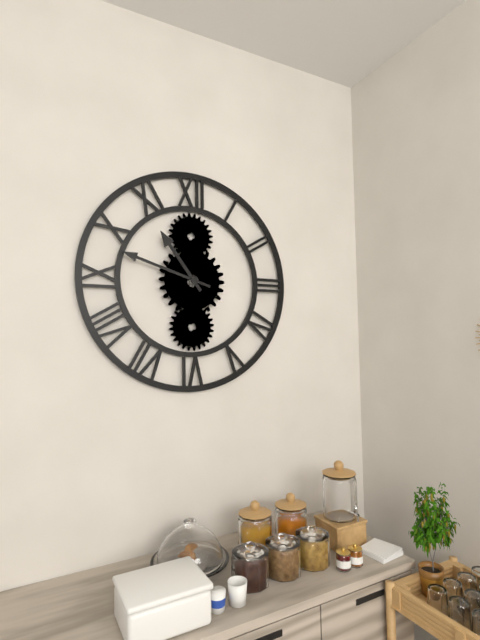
10.48
